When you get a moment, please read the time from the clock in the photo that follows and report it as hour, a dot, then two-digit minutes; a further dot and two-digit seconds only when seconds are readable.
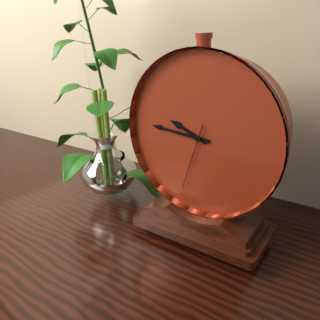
9.46.33
